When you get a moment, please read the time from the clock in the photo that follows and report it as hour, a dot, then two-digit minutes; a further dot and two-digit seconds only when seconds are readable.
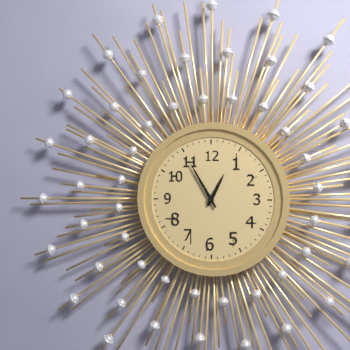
12.55
